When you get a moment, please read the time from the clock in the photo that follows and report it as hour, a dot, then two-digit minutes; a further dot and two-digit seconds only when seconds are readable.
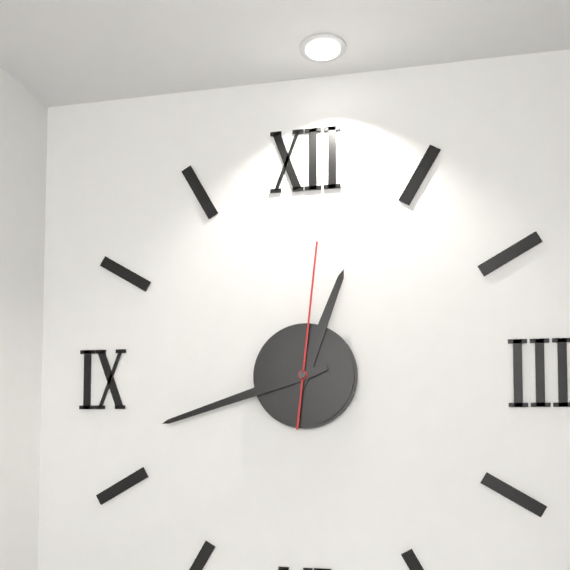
12.42.01
